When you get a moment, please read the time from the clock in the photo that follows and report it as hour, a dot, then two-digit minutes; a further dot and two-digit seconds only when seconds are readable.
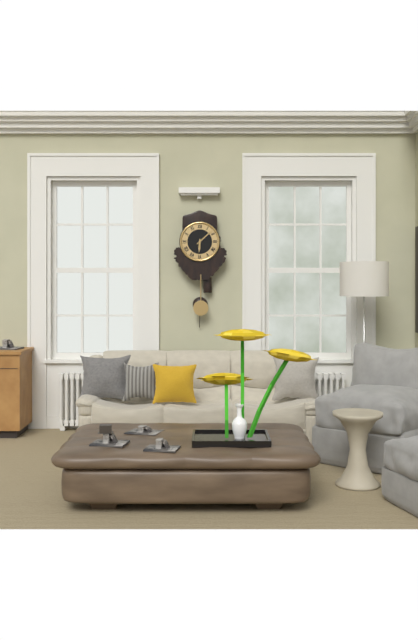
6.08
